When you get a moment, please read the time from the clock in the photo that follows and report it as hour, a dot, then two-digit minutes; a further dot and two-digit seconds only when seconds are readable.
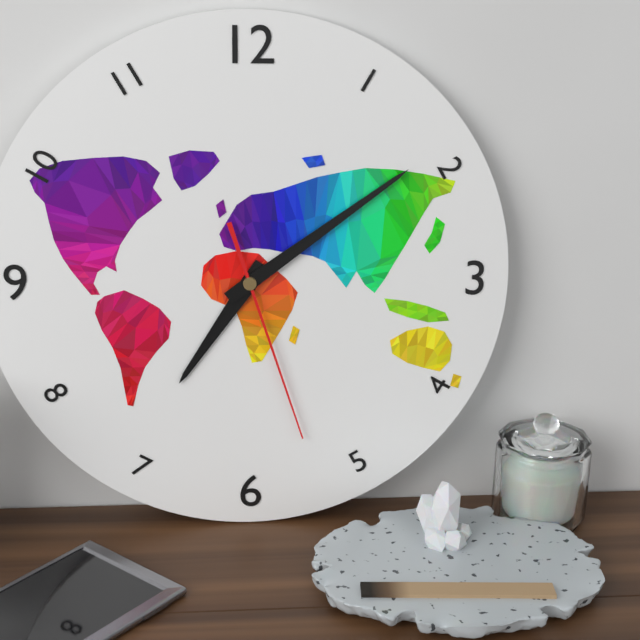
7.09.27
